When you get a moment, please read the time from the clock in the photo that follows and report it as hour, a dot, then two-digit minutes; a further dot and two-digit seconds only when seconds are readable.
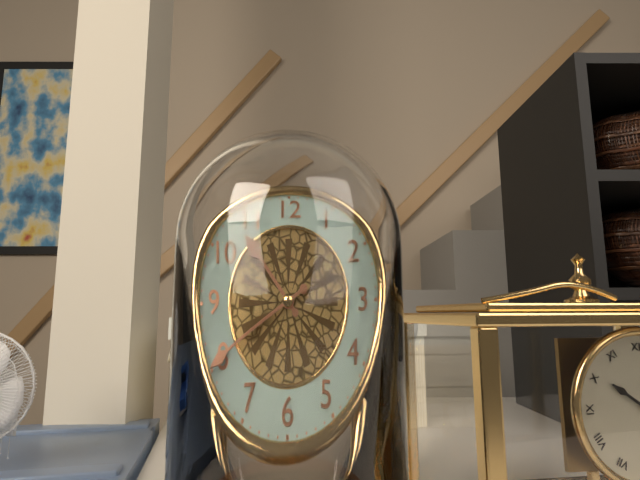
10.40
